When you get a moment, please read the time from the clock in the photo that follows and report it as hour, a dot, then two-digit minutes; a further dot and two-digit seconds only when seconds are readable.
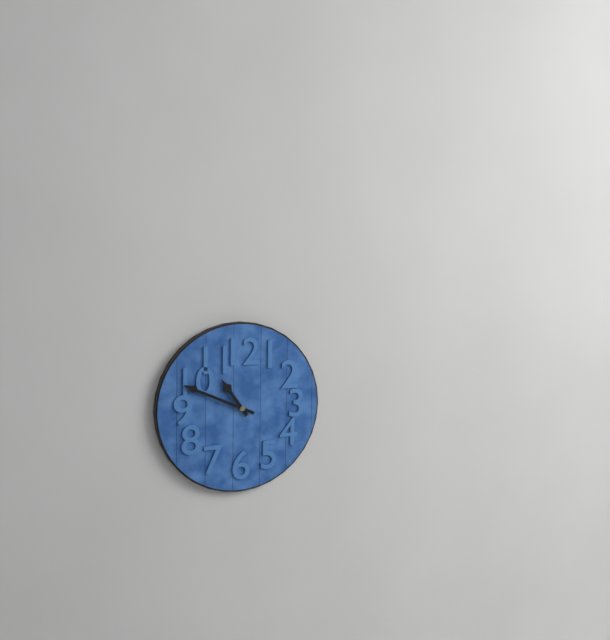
10.49
